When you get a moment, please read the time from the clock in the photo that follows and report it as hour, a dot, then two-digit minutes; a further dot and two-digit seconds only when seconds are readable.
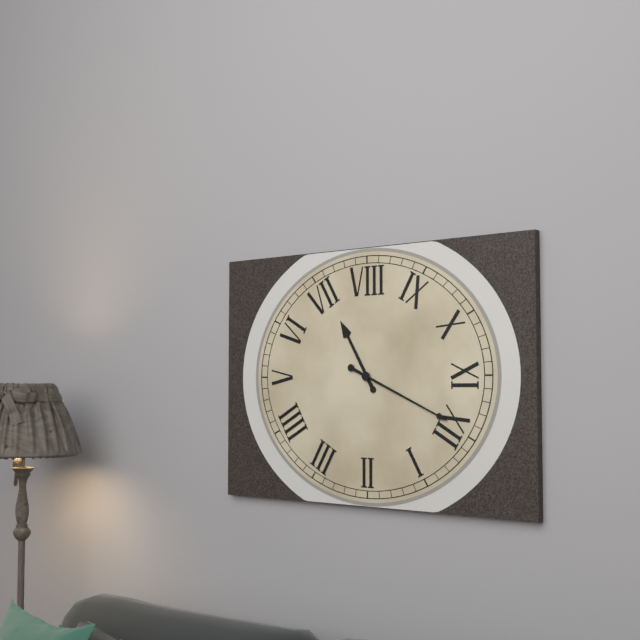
6.59
